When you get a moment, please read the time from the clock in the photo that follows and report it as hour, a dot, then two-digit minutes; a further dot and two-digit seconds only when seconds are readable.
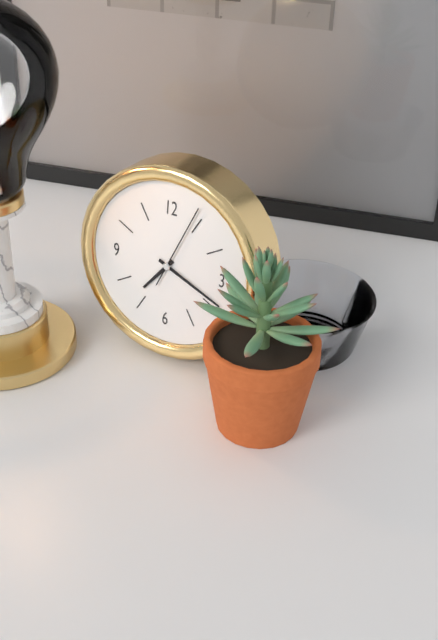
7.19.04
